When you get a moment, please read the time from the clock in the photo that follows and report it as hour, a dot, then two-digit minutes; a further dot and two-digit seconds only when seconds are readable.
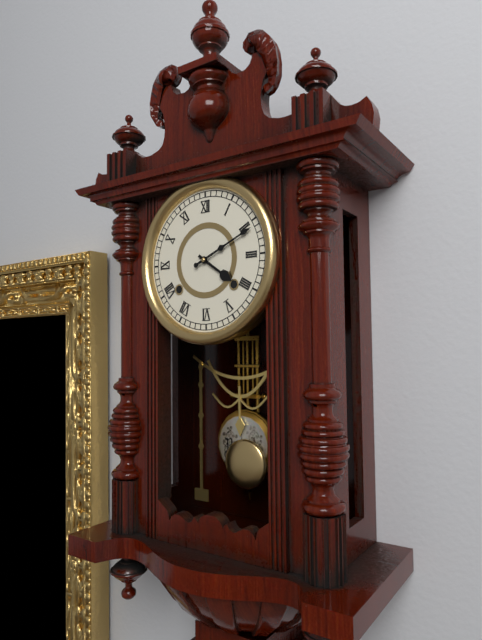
4.11
